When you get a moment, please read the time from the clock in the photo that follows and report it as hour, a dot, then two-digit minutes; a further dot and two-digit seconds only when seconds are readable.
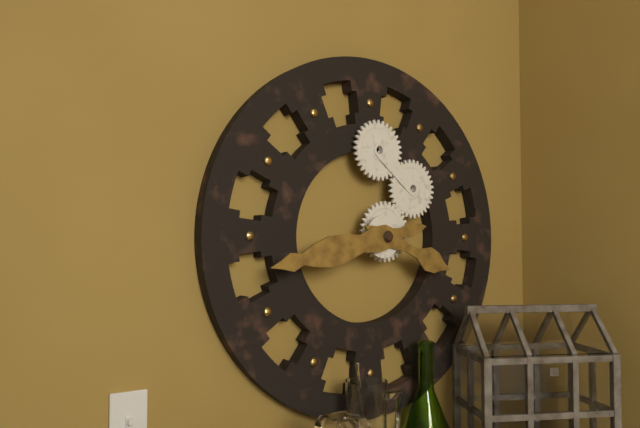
3.43
